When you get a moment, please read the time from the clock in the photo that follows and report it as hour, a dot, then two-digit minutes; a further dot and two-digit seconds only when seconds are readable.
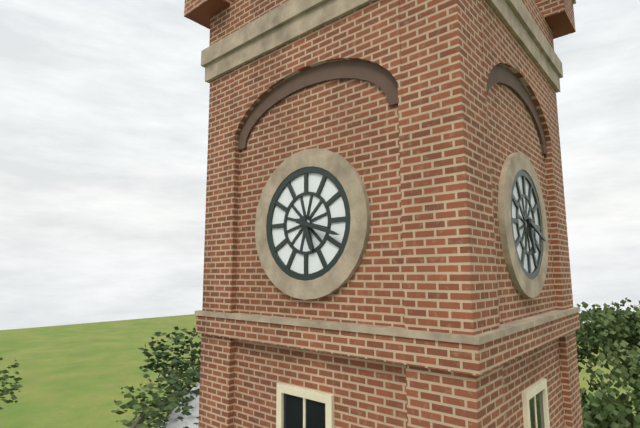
5.18
